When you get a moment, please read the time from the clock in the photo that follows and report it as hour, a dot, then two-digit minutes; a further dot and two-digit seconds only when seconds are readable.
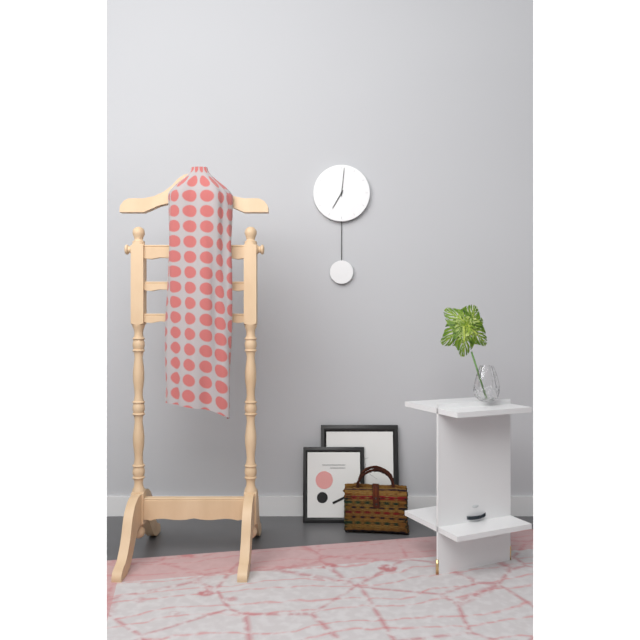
7.01
